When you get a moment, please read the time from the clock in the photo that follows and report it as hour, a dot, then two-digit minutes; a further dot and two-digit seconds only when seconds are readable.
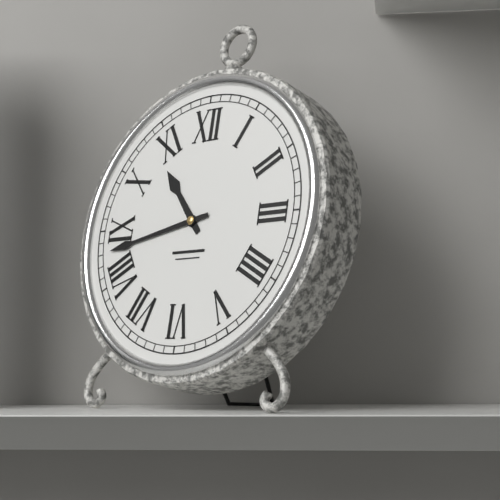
10.43
